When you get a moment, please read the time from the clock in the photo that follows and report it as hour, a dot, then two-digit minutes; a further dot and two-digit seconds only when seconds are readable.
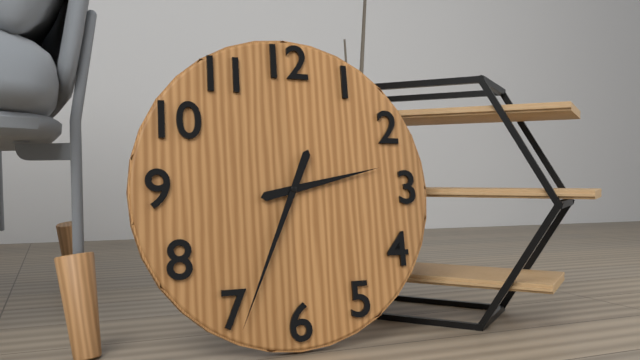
2.34
